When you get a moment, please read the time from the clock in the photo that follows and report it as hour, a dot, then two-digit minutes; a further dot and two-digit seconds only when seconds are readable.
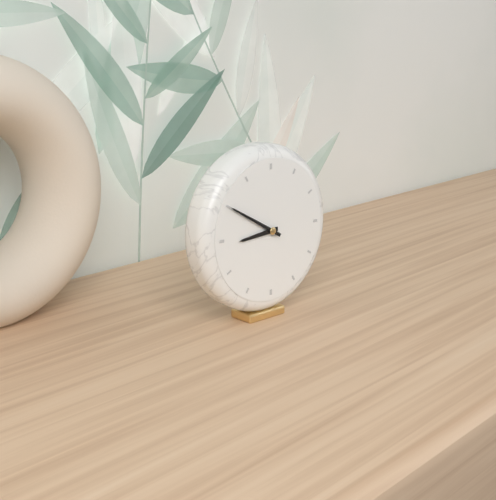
8.50
